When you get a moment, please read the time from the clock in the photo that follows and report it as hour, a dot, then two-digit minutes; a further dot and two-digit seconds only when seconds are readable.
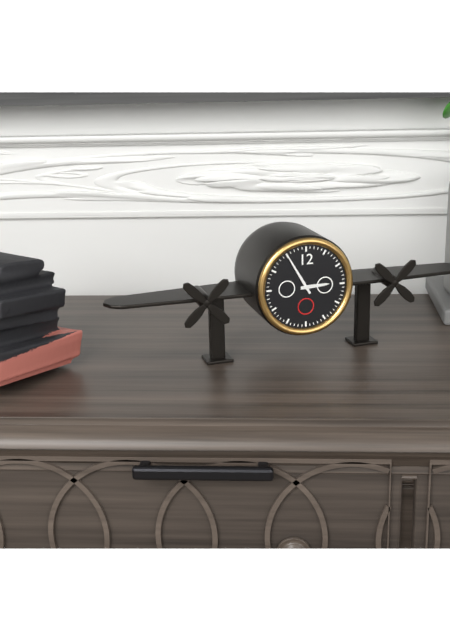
2.55
